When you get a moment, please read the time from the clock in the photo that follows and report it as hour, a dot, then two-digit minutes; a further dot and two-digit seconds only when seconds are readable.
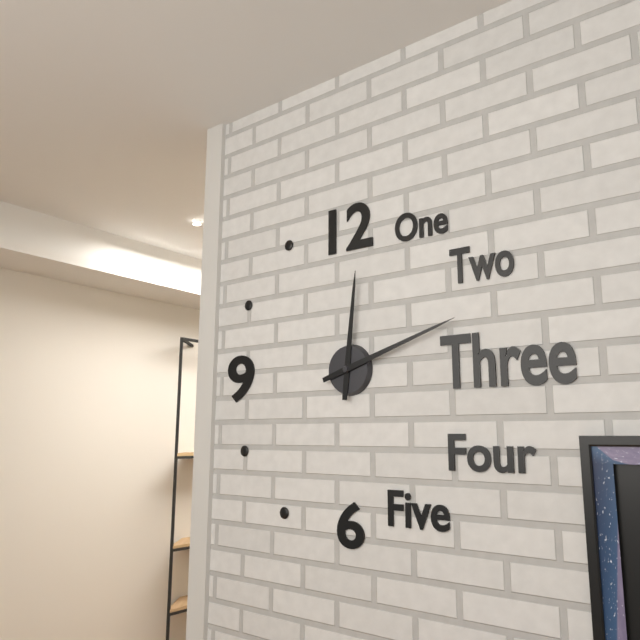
12.12
